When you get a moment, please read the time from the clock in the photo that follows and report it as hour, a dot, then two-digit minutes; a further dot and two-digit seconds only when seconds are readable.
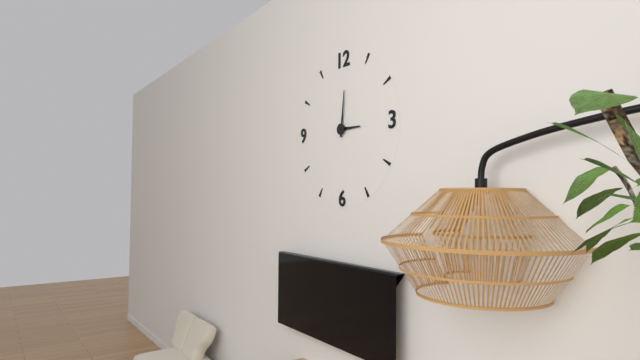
3.01
